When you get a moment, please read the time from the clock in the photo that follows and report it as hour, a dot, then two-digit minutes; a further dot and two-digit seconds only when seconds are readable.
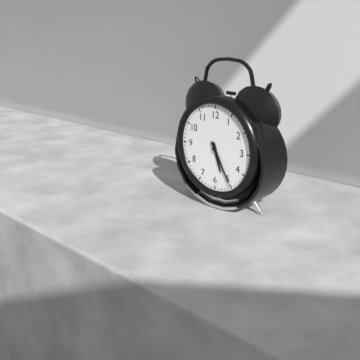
5.25
